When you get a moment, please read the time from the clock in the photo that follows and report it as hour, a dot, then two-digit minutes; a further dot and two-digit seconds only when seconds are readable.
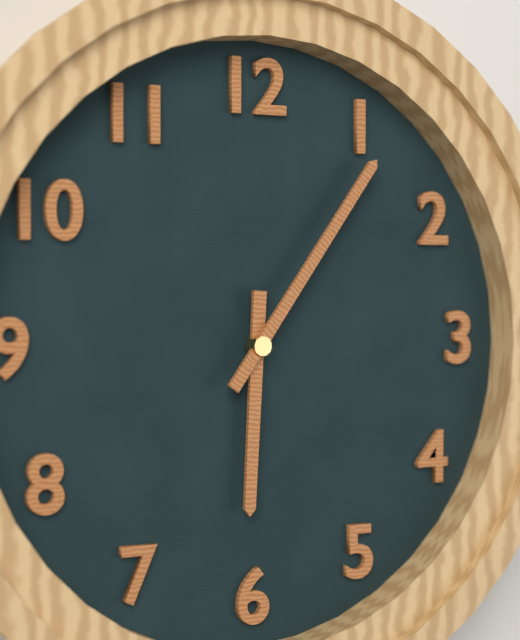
6.06
